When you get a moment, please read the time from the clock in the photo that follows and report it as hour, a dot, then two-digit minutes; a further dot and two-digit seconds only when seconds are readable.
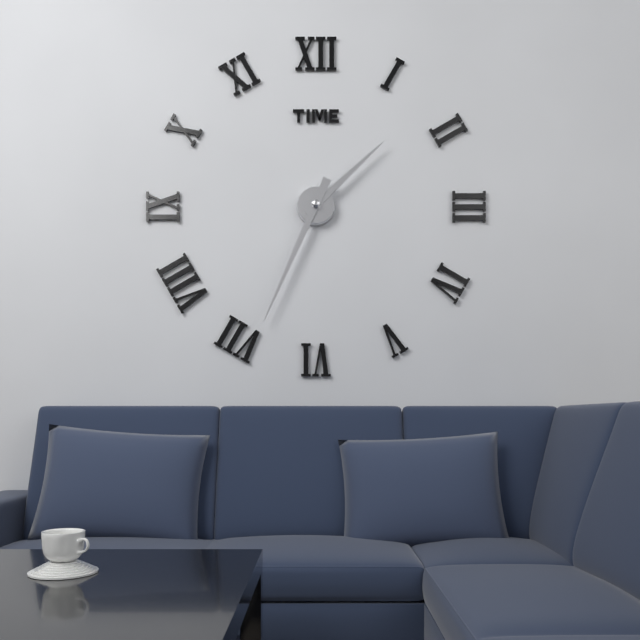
1.34
